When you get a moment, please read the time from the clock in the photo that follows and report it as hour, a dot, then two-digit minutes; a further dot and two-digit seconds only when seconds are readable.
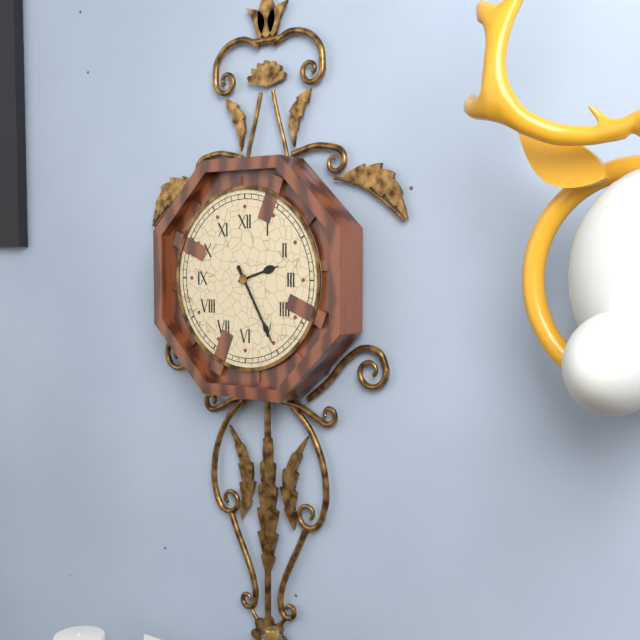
2.25
